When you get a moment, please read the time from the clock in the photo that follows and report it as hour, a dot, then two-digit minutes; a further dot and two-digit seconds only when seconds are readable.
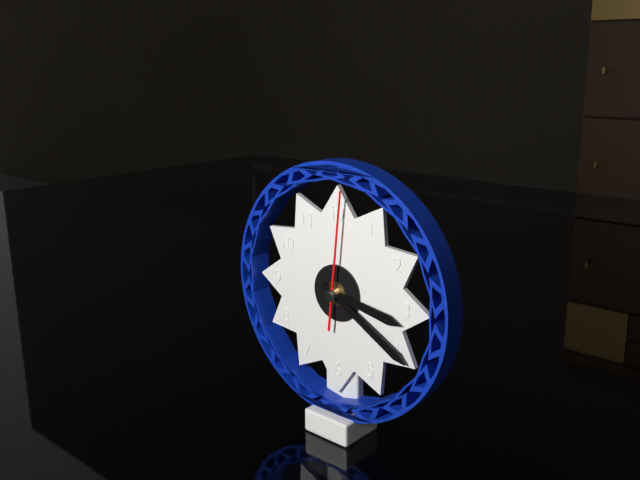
3.20.01
